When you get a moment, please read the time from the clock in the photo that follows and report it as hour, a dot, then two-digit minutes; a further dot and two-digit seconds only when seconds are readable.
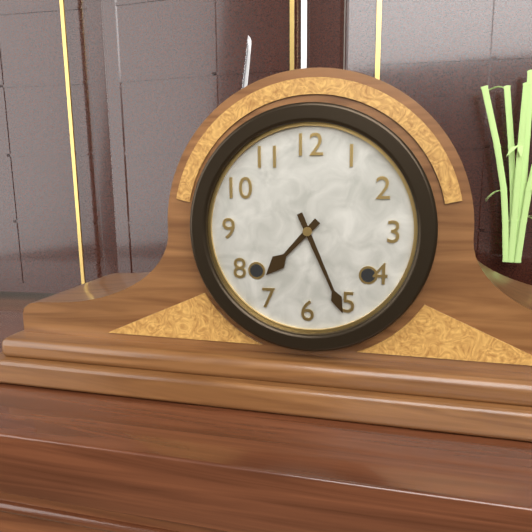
7.26
